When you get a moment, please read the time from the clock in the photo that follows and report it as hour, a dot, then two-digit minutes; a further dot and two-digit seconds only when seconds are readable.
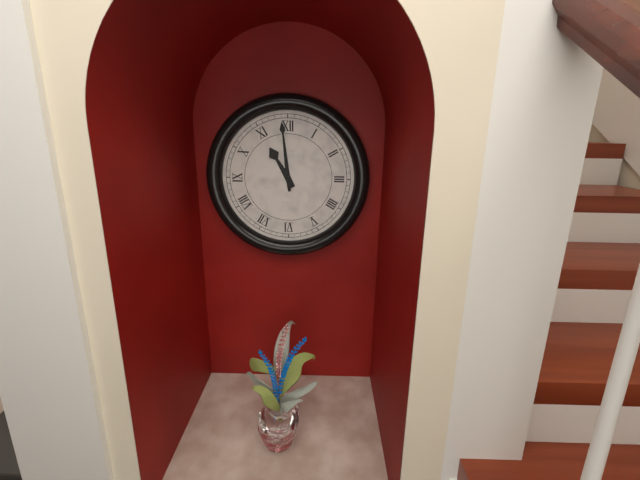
10.59
